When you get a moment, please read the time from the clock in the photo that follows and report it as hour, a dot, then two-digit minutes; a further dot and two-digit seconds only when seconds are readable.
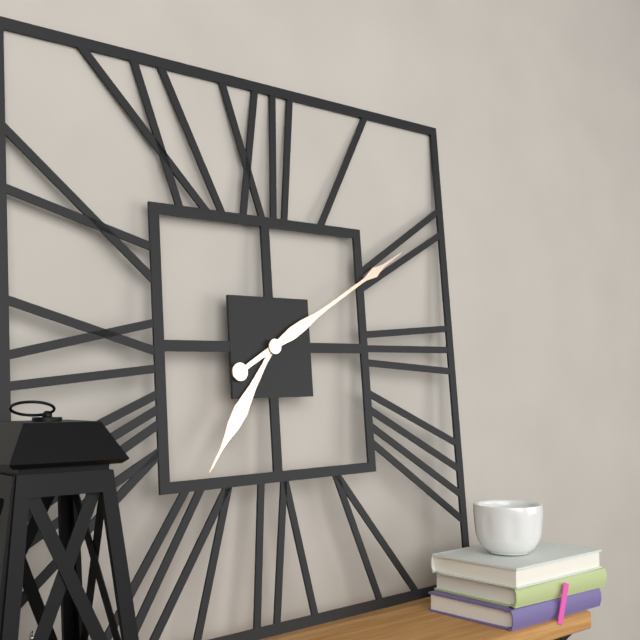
7.10
